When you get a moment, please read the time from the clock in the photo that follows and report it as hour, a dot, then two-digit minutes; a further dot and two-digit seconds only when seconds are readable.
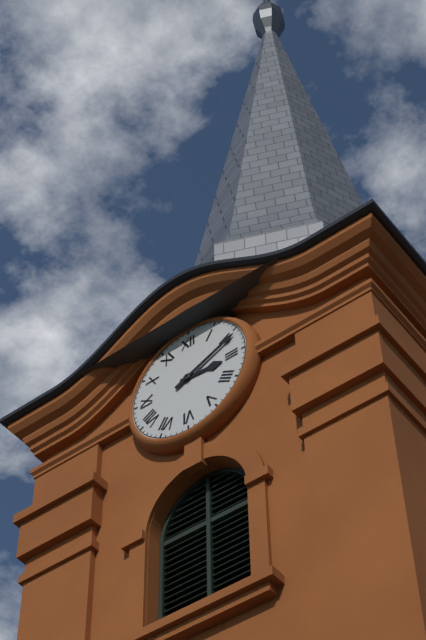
3.11
